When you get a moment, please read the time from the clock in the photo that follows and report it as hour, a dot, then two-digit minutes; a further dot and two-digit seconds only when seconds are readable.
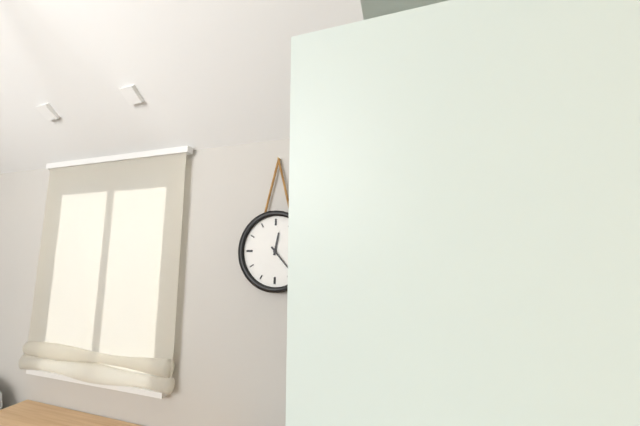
12.23
